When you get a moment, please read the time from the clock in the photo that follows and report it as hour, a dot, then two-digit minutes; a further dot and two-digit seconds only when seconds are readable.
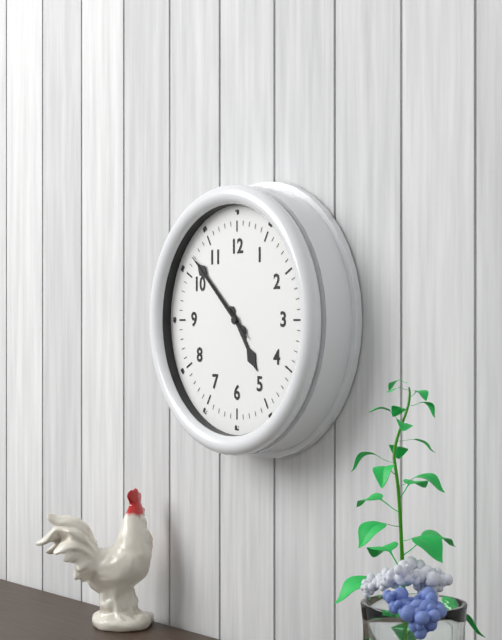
4.52.52
